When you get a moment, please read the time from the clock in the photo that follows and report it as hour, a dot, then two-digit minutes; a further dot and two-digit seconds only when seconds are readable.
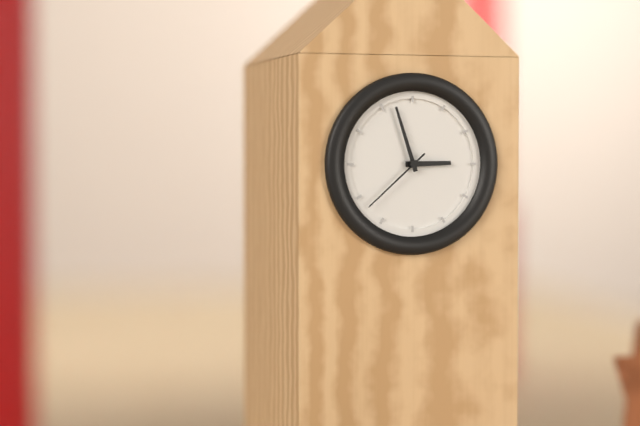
2.57.38
